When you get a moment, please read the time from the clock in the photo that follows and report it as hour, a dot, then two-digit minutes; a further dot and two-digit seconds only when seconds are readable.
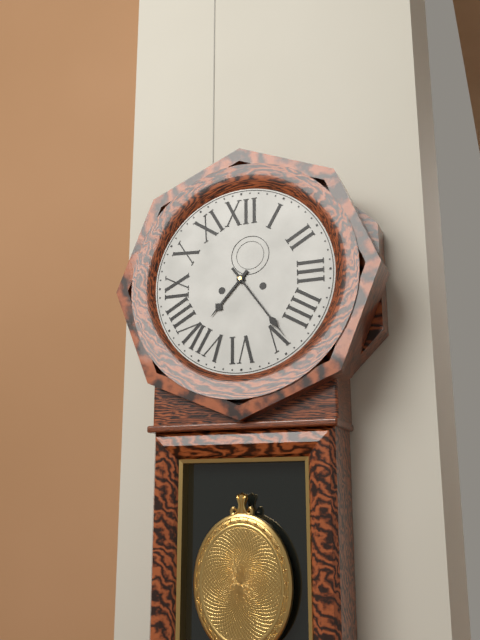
7.24
